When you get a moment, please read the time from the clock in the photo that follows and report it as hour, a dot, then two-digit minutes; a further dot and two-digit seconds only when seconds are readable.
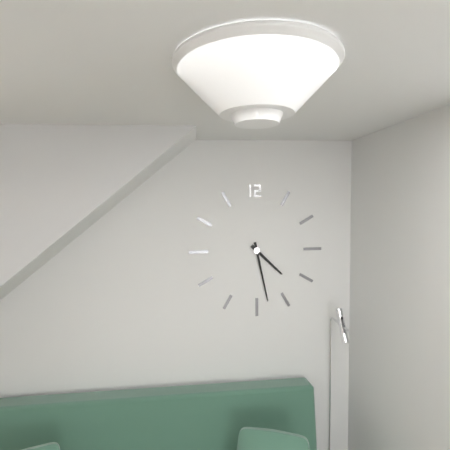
4.28
